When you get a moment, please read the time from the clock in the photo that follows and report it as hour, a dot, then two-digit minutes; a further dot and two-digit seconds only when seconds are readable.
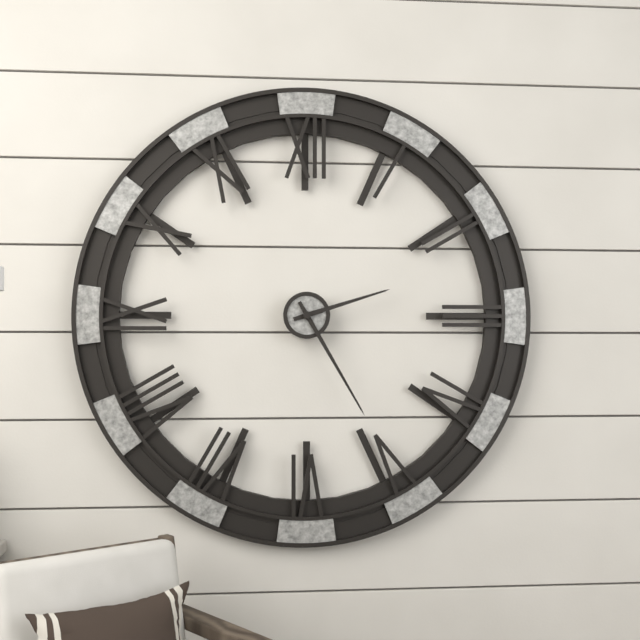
2.25
